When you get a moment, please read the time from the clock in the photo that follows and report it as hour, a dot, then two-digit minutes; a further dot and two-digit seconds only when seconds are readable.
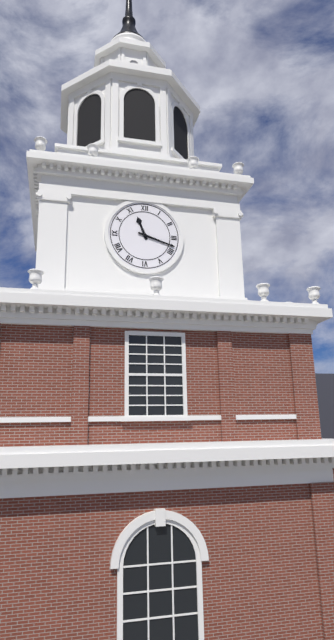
11.18
